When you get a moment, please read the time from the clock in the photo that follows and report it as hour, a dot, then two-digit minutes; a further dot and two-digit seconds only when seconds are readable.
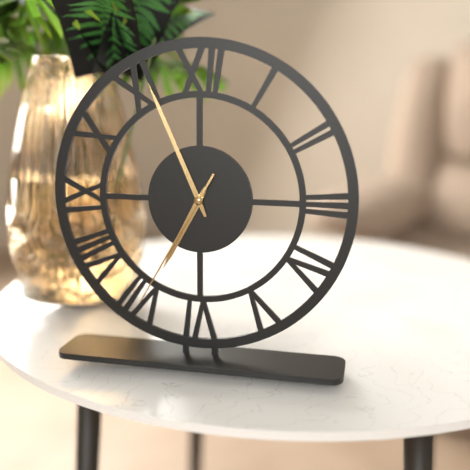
6.56.35
